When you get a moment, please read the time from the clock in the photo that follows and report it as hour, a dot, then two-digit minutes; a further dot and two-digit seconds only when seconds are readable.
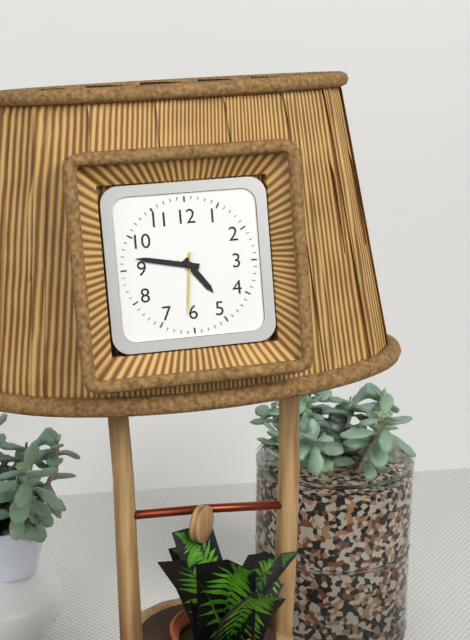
4.47.31
